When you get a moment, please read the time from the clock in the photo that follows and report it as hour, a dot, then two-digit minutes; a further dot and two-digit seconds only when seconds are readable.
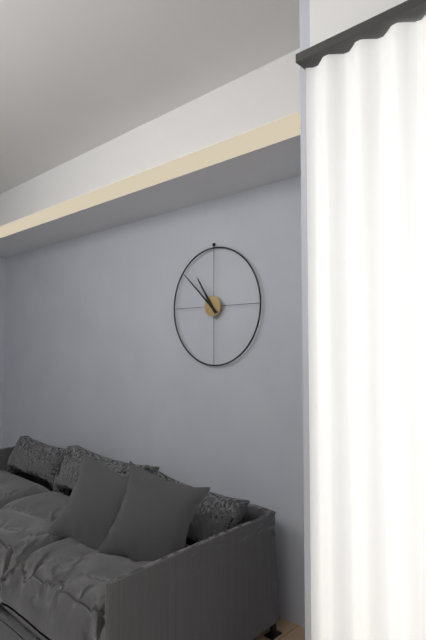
10.52
